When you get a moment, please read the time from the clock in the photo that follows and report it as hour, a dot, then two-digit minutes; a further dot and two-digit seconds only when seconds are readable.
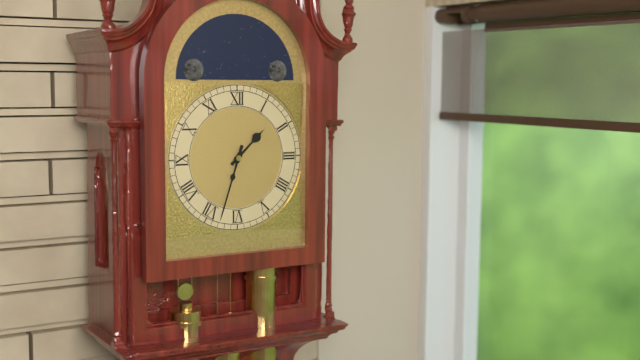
1.33
